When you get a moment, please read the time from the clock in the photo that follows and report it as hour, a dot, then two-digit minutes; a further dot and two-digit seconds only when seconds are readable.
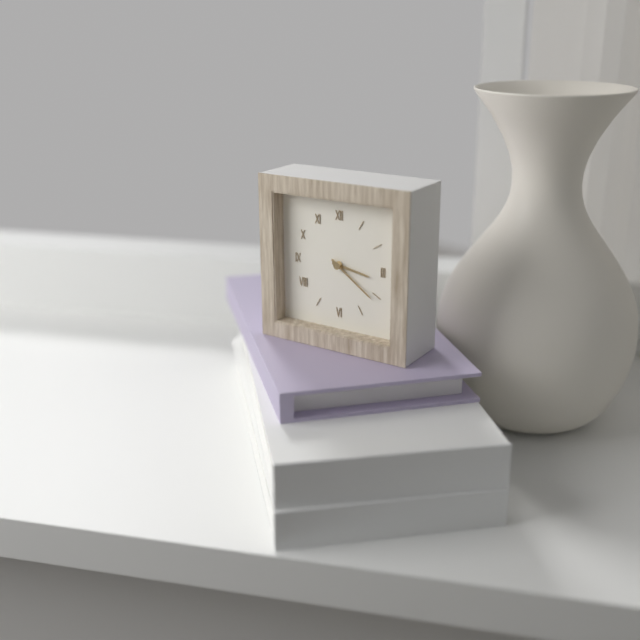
3.21
